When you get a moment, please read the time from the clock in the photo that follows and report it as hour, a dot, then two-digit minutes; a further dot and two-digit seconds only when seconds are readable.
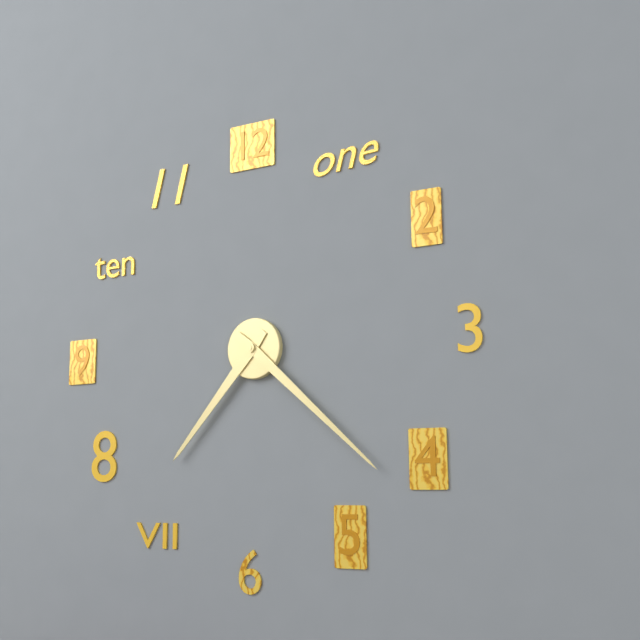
7.22
